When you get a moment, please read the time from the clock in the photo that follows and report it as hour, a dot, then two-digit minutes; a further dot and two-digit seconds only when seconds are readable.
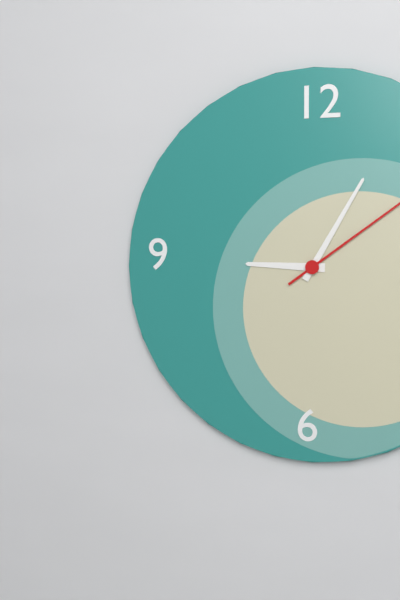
9.05
